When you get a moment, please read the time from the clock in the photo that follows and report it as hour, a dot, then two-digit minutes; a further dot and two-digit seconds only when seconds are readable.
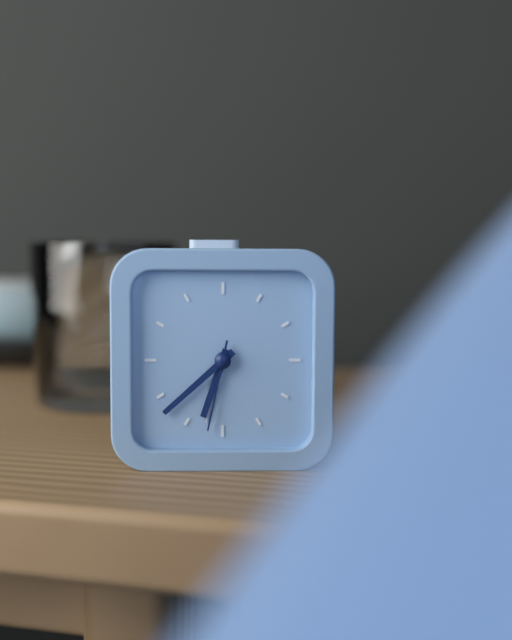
6.38.32
